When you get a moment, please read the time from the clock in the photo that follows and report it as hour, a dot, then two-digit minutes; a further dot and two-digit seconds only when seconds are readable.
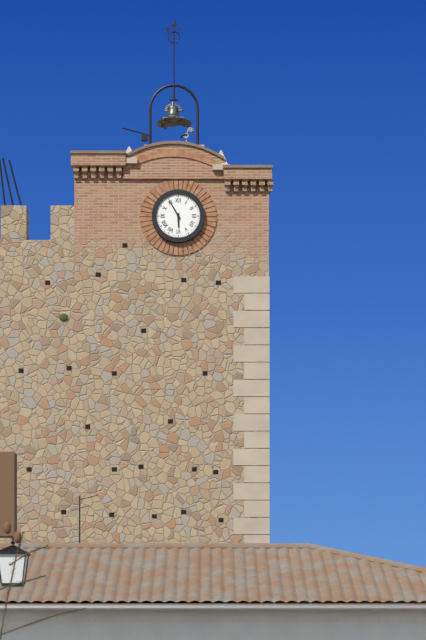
5.55
